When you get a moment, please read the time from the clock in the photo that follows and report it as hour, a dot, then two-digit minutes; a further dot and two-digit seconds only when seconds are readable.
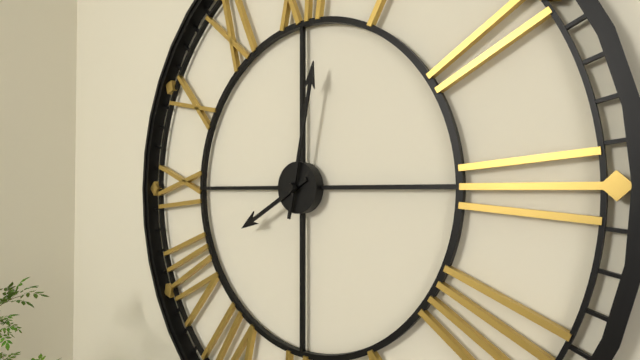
8.02
